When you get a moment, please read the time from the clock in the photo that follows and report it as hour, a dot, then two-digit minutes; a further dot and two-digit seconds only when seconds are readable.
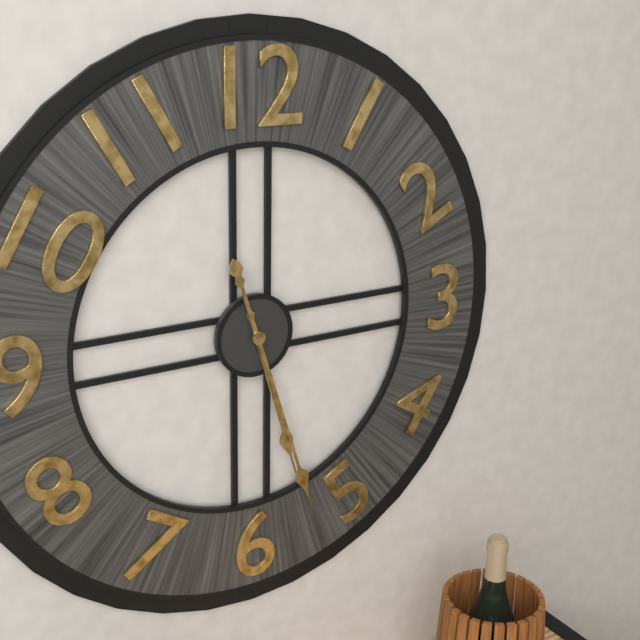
5.27
